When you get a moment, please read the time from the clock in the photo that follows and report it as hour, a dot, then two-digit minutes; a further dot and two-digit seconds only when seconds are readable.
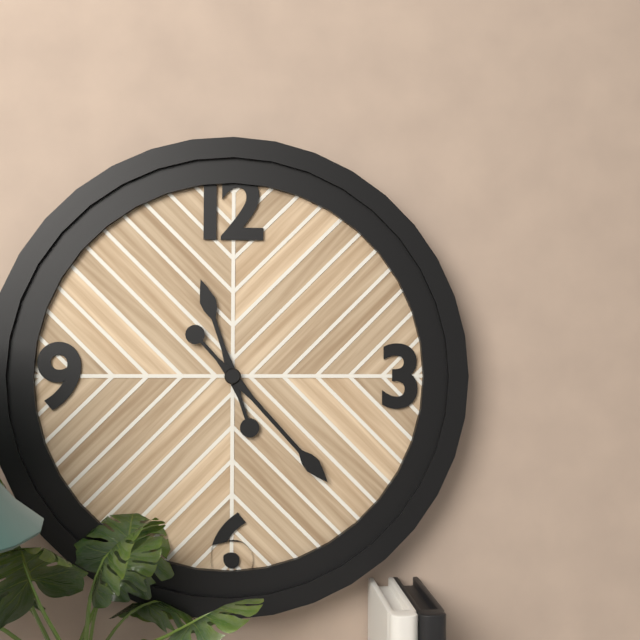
11.23
